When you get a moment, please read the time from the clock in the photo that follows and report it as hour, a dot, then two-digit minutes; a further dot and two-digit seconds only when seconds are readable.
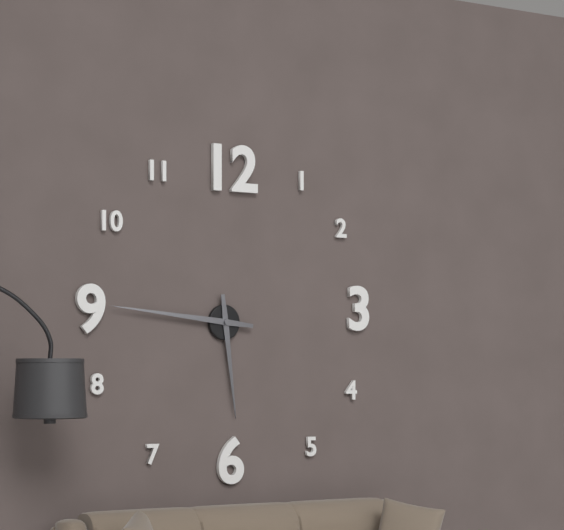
5.46
